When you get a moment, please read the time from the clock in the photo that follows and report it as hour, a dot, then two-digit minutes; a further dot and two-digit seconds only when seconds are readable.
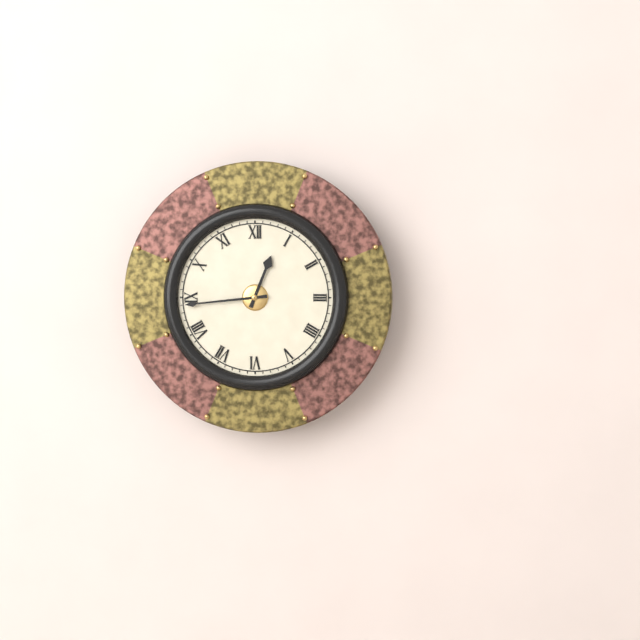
12.44
